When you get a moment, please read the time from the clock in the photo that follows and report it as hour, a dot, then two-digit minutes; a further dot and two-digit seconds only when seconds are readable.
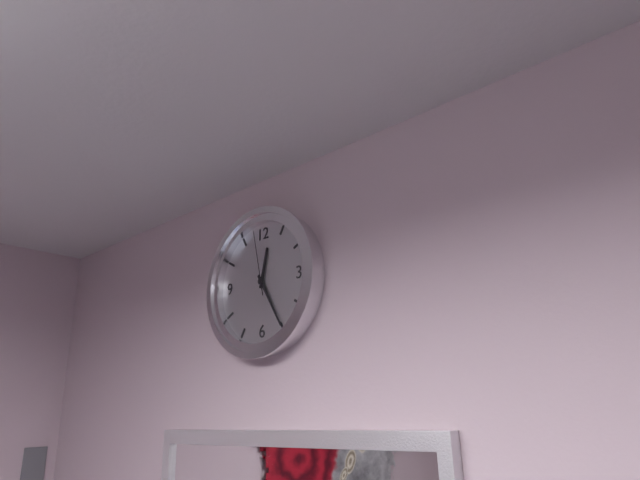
12.25.58
